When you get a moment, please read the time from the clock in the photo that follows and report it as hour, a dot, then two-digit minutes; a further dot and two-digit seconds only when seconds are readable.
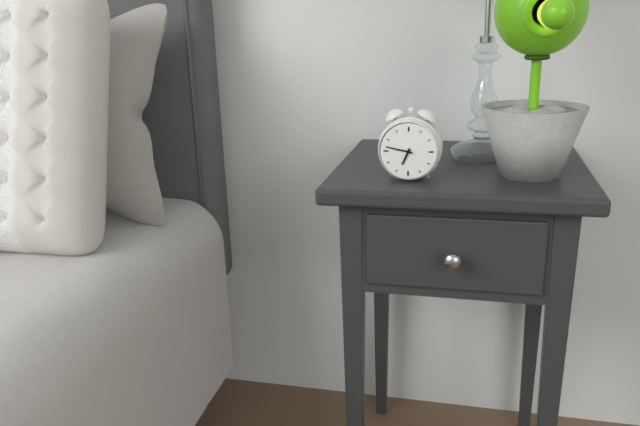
6.47
